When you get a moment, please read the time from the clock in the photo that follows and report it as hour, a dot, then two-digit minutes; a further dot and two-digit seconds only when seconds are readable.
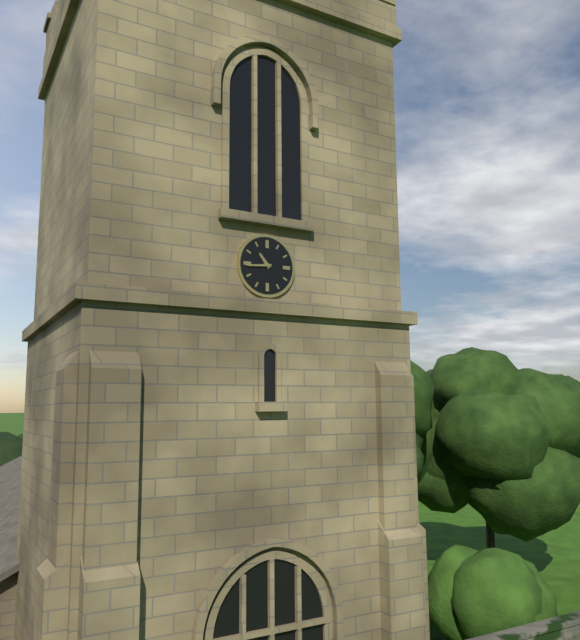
10.44
